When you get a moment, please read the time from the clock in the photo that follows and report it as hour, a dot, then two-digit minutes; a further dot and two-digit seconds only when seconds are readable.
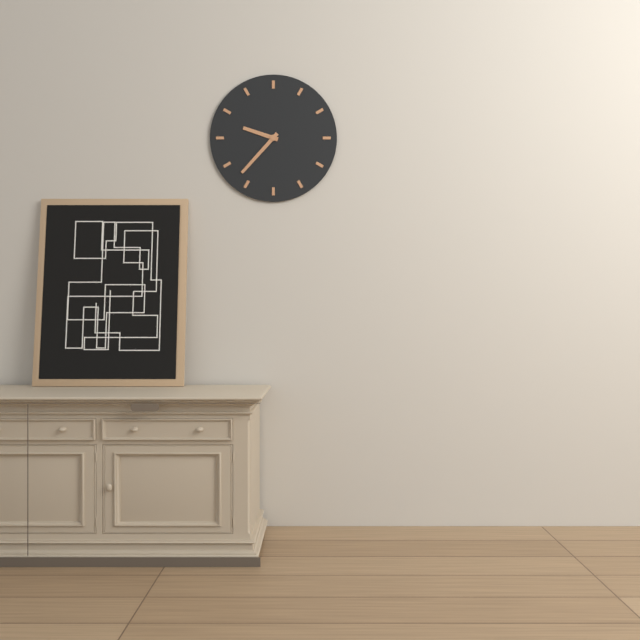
9.37
